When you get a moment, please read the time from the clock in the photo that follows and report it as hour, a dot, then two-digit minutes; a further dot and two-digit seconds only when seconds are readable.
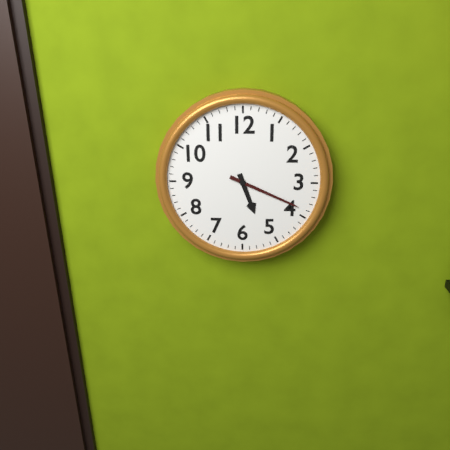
5.19
